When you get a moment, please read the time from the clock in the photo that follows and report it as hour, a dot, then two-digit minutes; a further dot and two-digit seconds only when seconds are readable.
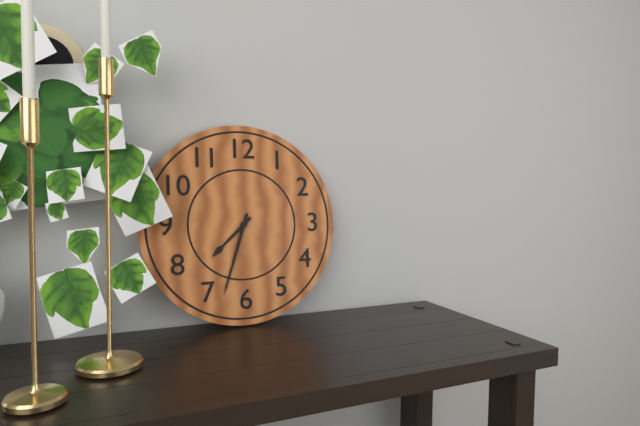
7.33
